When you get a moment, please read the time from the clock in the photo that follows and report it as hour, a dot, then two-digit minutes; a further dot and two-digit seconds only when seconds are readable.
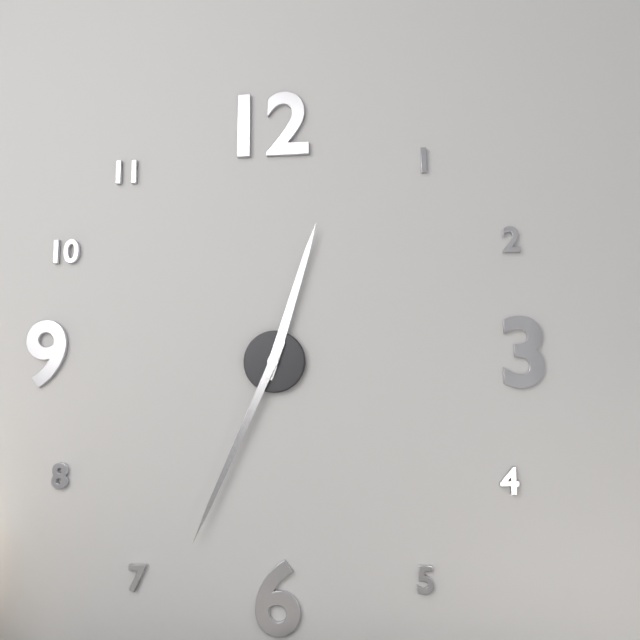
12.34
